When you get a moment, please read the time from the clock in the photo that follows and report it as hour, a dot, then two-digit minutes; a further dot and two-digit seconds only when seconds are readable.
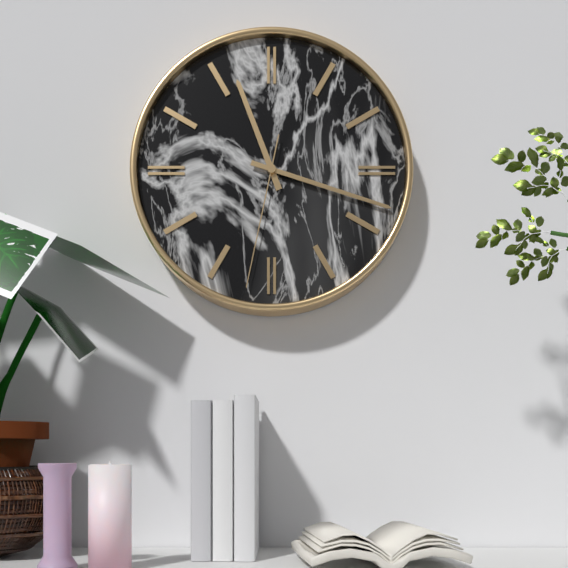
11.18.32
